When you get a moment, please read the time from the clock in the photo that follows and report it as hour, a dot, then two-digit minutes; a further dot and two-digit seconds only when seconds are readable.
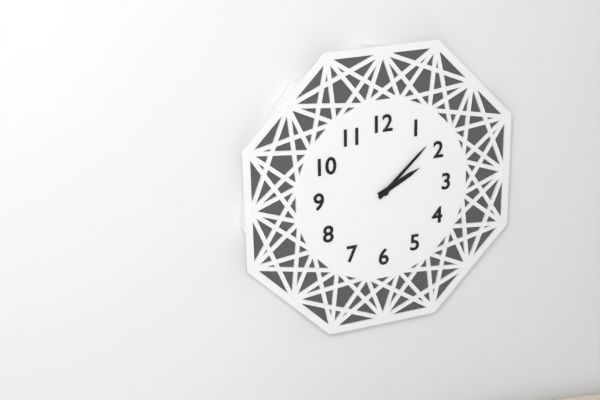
2.08
